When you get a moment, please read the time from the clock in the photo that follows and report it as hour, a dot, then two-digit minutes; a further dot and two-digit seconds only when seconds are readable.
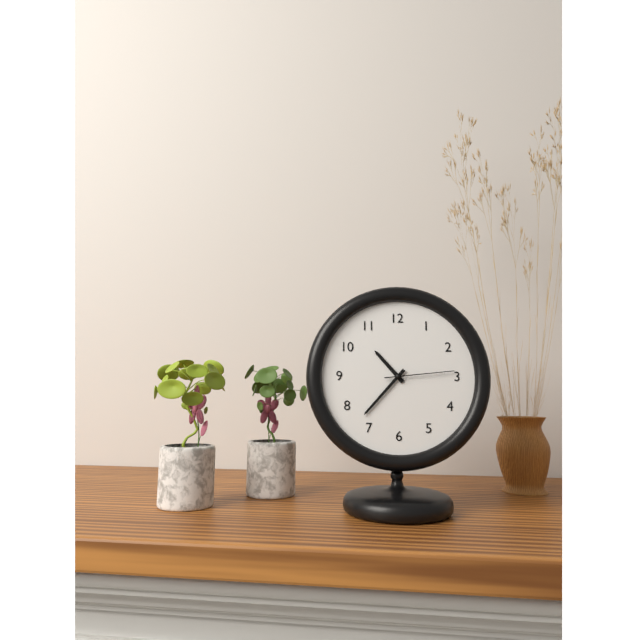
10.37.14
